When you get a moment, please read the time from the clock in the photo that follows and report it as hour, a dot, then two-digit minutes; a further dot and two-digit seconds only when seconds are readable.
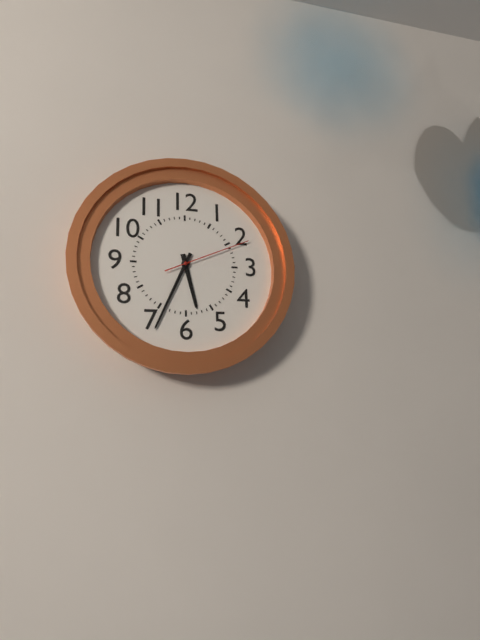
5.34.11
